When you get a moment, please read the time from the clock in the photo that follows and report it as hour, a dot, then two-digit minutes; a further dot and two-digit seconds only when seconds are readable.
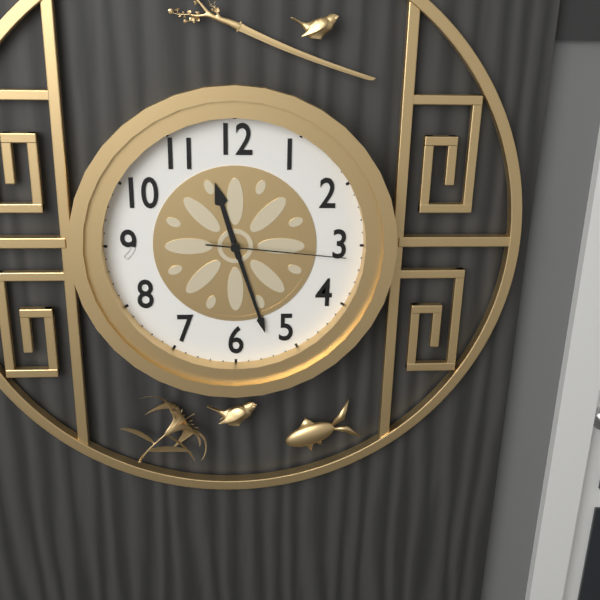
11.27.16
